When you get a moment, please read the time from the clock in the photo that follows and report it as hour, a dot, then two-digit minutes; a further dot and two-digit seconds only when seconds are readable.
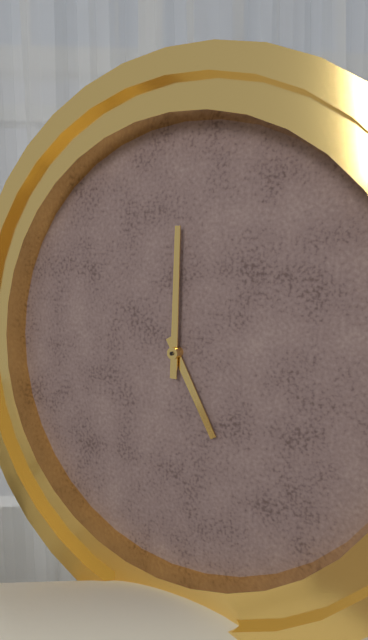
5.00
